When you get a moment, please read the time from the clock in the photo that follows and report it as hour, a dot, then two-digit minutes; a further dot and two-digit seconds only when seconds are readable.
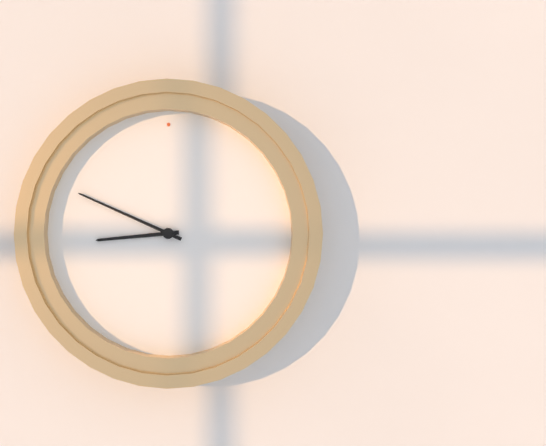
8.49
